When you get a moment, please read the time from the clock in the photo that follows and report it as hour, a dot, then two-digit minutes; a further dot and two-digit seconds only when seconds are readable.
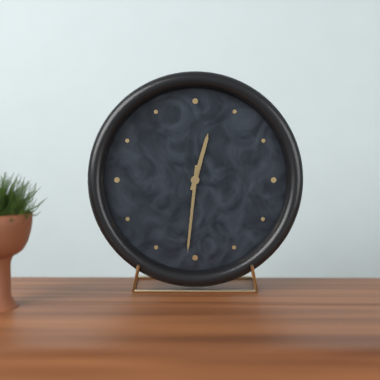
12.31
